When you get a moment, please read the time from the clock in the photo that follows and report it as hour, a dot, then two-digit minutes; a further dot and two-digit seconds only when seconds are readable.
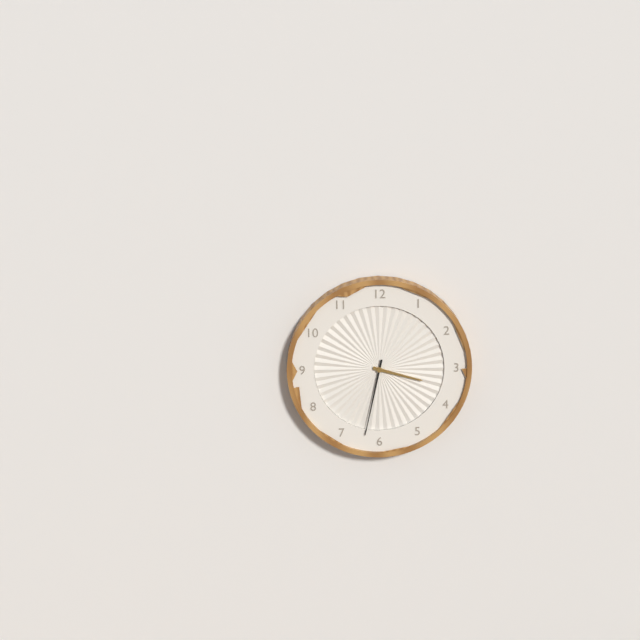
3.32
